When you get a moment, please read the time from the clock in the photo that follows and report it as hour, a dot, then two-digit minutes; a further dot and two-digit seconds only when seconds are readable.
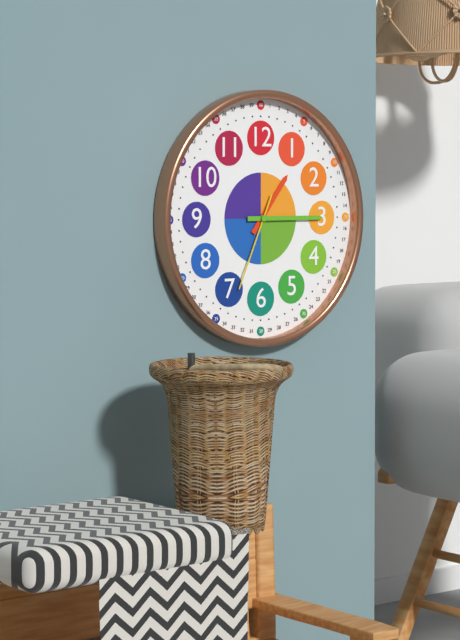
1.15.34
